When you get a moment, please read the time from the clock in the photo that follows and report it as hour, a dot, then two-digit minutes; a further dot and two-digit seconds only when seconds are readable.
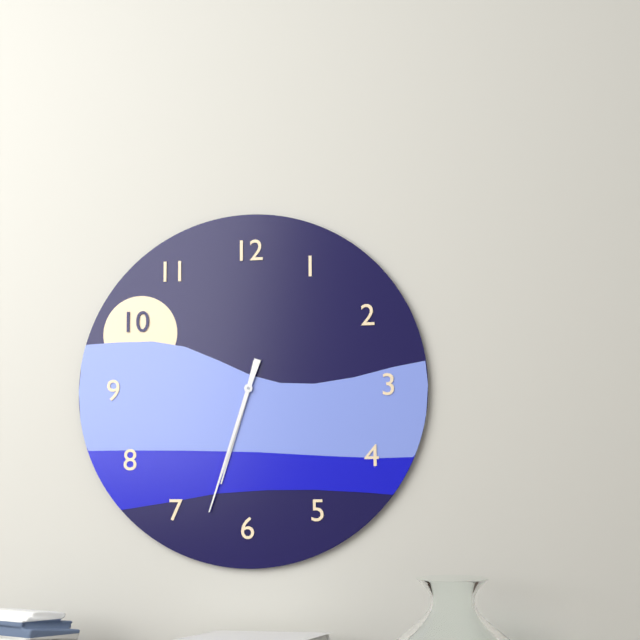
6.33
